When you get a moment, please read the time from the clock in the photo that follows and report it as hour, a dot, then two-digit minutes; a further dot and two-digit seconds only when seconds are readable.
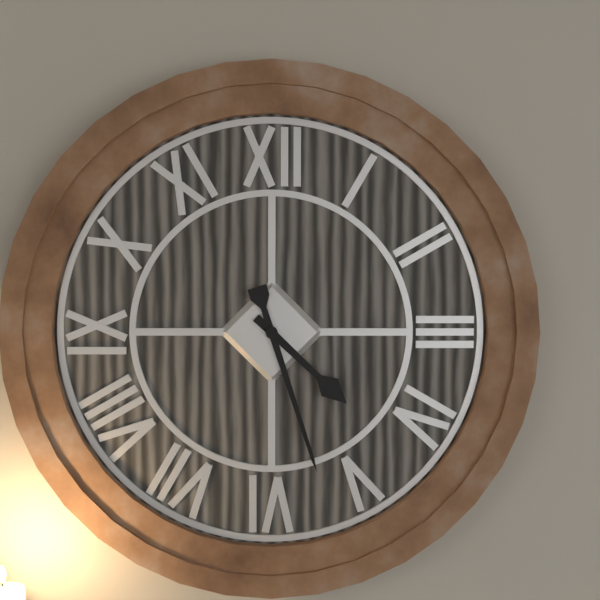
4.27
